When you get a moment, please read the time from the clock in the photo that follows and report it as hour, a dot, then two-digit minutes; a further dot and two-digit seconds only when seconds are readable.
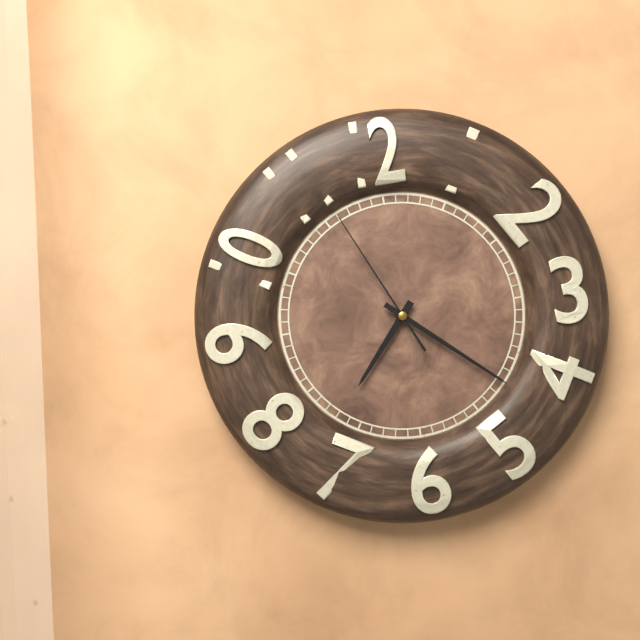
7.22.56
